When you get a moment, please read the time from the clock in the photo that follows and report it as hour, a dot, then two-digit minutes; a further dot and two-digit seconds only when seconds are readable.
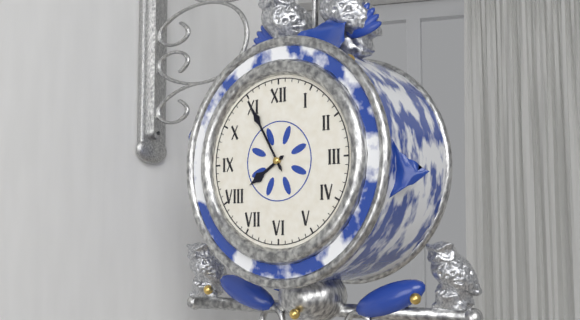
7.55
